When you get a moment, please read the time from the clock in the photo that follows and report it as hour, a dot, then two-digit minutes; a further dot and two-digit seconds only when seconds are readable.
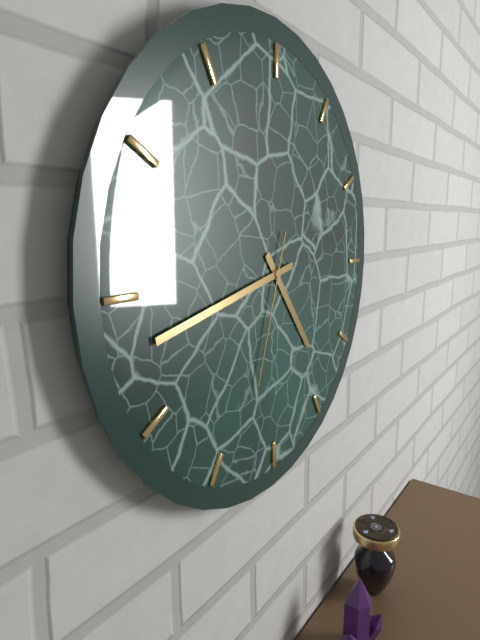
4.43.33
